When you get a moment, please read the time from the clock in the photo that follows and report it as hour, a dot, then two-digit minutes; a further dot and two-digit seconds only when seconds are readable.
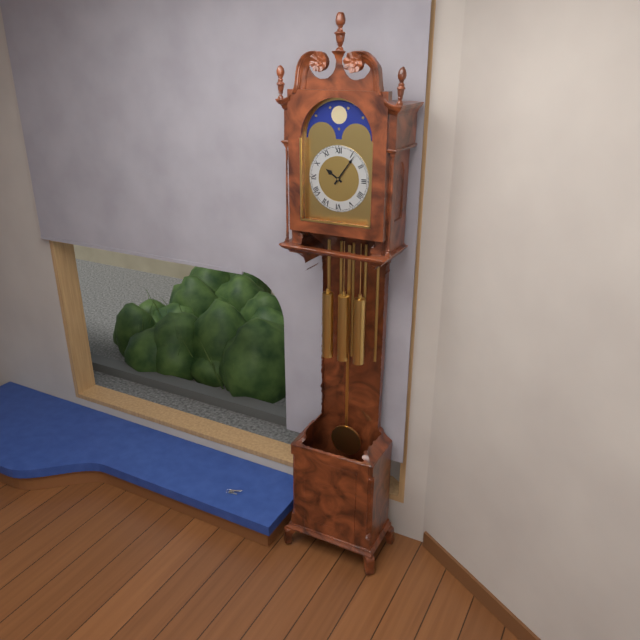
10.06
